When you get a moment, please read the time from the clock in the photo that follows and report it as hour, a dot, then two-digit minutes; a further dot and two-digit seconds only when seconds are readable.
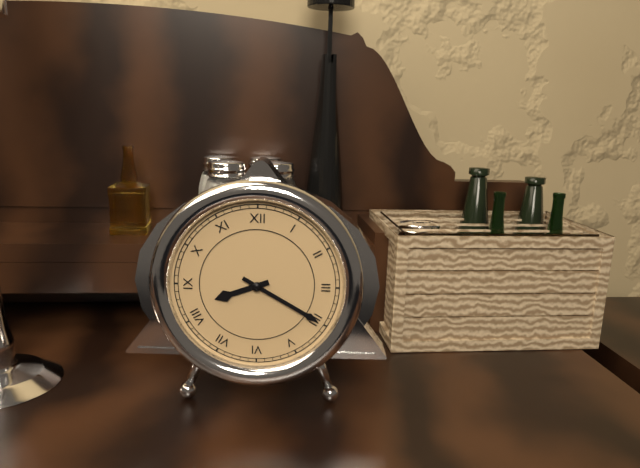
8.20
